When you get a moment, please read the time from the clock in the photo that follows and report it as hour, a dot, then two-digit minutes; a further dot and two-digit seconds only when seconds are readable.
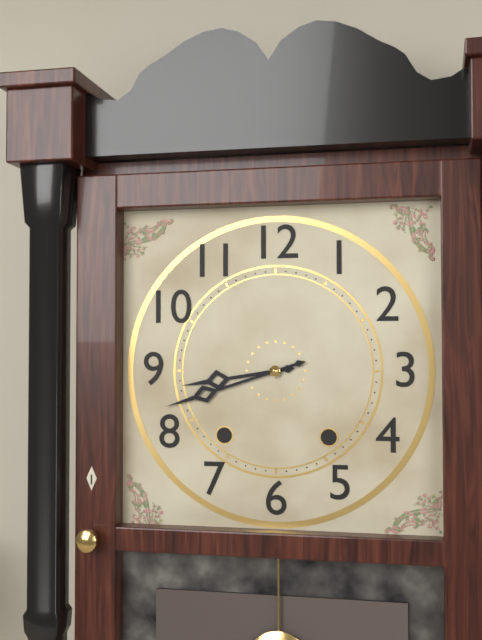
8.42
